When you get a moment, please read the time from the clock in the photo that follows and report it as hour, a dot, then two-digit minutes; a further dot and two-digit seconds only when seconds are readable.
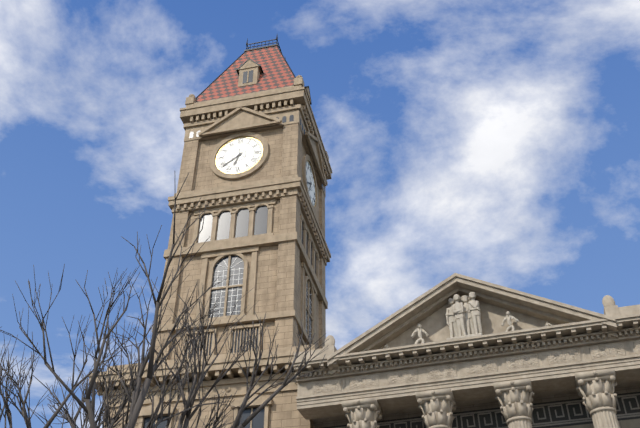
6.39
